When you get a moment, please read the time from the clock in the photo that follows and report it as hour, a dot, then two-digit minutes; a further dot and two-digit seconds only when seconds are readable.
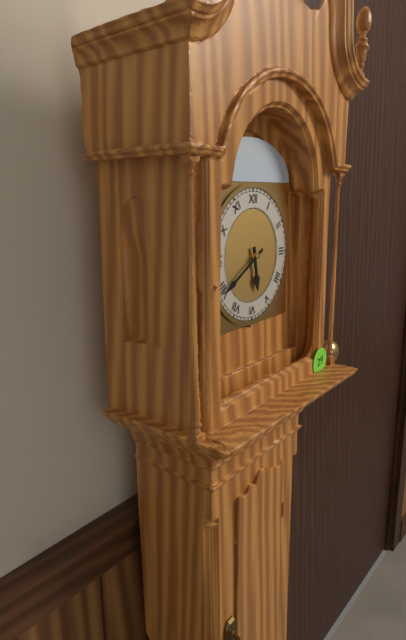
5.40
